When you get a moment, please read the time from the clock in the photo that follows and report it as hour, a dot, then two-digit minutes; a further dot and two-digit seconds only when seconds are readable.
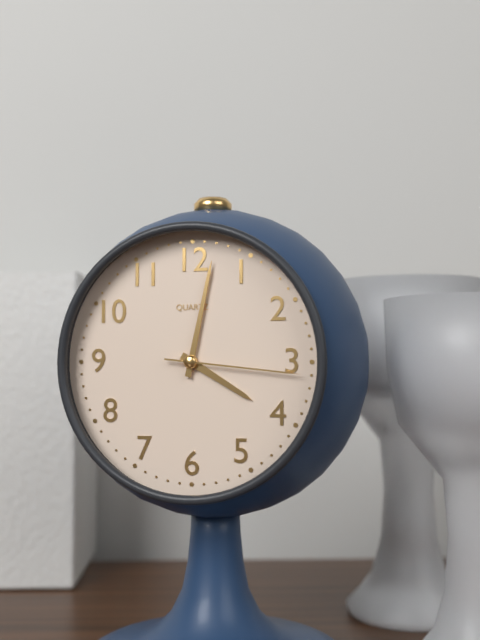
4.02.16
